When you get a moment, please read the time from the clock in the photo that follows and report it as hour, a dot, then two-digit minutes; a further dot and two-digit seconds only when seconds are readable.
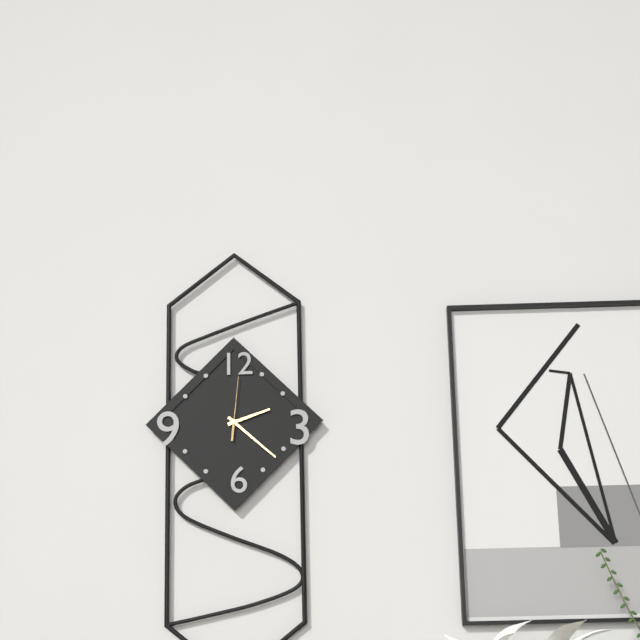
2.22.01
